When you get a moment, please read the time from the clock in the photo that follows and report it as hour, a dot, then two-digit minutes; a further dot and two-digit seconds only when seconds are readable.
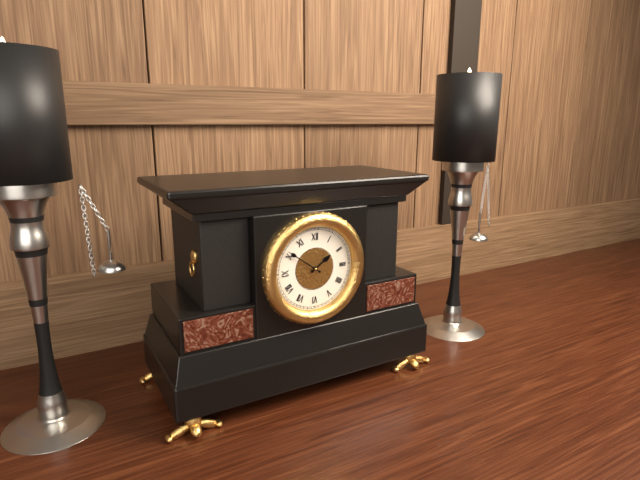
1.51
